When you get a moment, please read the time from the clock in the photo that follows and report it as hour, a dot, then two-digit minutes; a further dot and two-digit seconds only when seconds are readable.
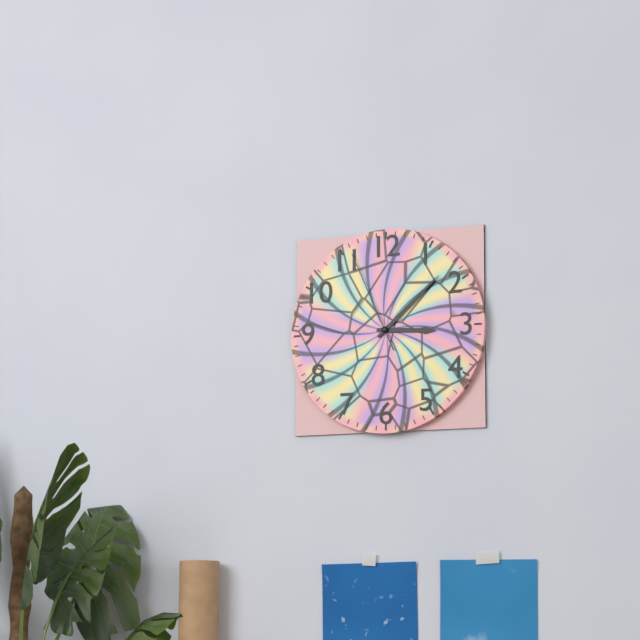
3.08.56
